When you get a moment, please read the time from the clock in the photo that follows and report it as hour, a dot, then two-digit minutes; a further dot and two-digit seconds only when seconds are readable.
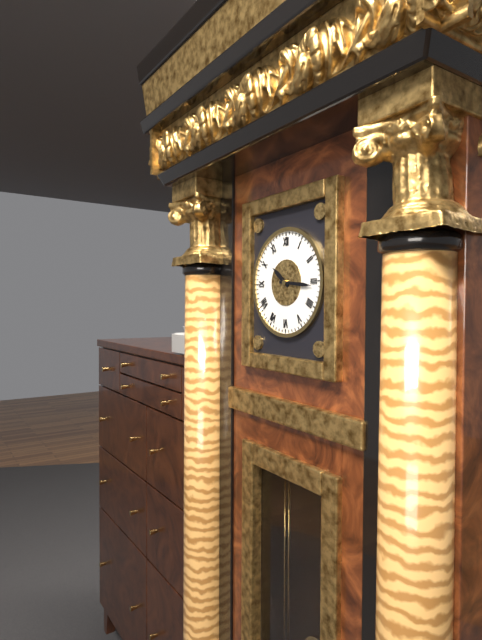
10.16
